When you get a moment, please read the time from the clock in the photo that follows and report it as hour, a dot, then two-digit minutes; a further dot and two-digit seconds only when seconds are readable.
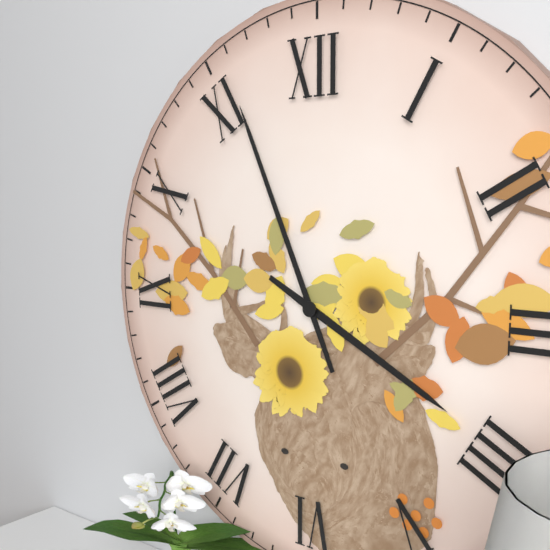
3.56
